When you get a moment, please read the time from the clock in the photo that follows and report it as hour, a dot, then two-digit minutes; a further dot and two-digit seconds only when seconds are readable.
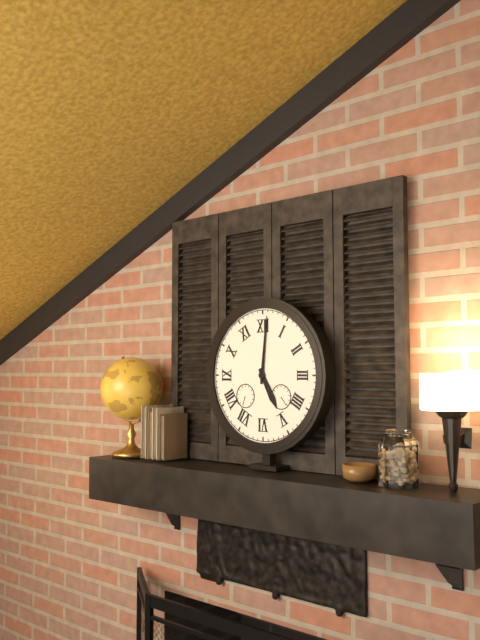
5.01
